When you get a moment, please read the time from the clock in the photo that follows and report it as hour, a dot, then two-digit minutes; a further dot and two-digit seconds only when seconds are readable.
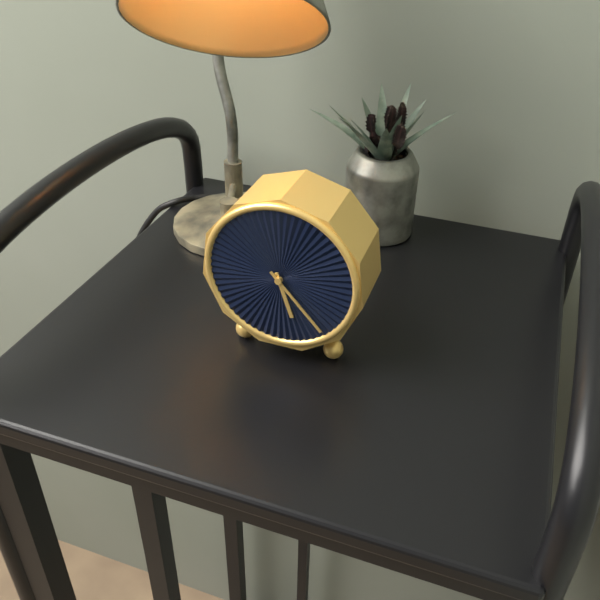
5.23
